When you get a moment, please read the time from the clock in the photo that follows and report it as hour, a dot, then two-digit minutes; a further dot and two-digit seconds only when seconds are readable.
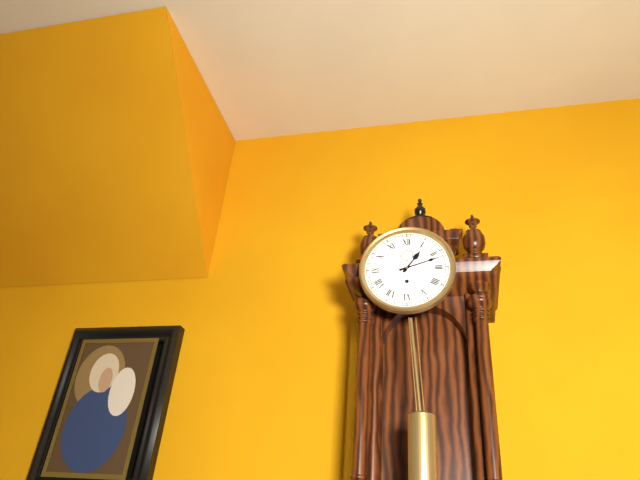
1.12
